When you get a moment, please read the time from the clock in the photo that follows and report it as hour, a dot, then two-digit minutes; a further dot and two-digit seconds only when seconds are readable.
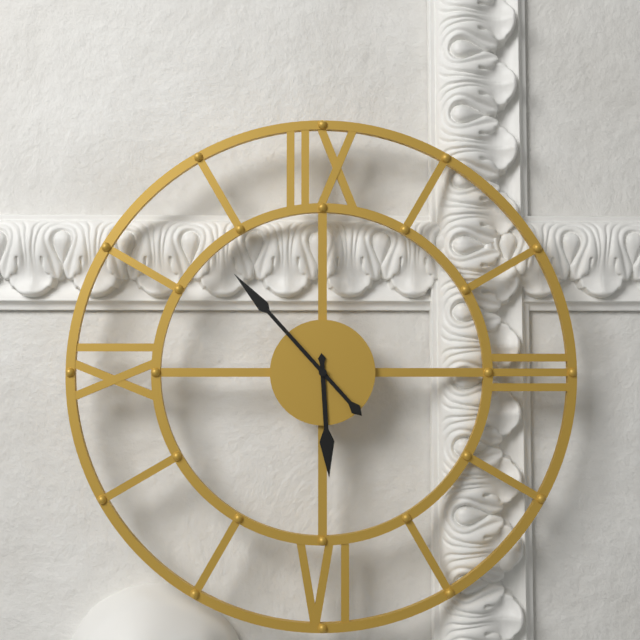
5.53
